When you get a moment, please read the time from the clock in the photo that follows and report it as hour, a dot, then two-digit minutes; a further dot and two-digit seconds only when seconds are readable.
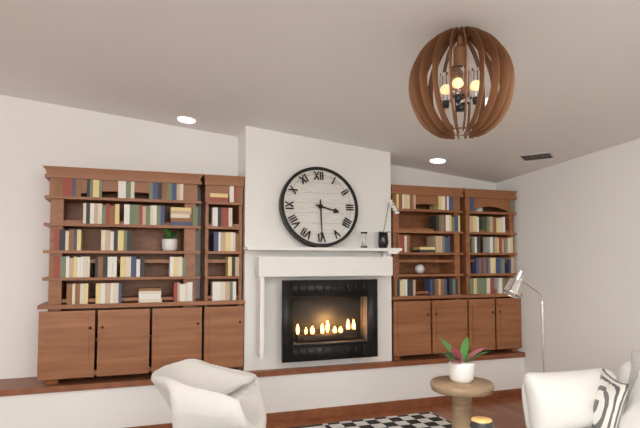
3.30
